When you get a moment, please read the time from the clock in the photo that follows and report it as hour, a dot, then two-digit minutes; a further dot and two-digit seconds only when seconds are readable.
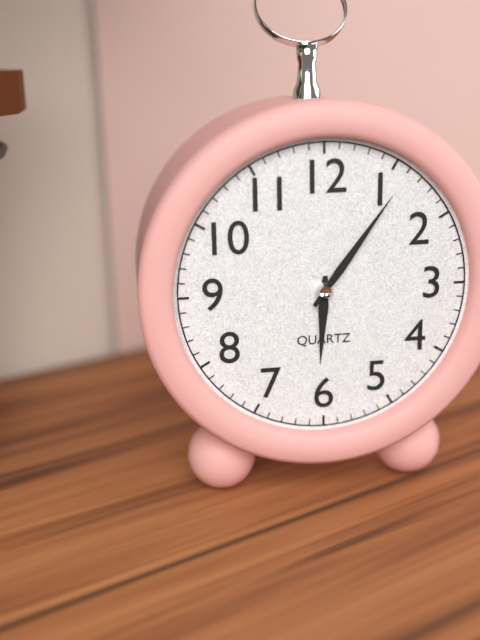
6.06
